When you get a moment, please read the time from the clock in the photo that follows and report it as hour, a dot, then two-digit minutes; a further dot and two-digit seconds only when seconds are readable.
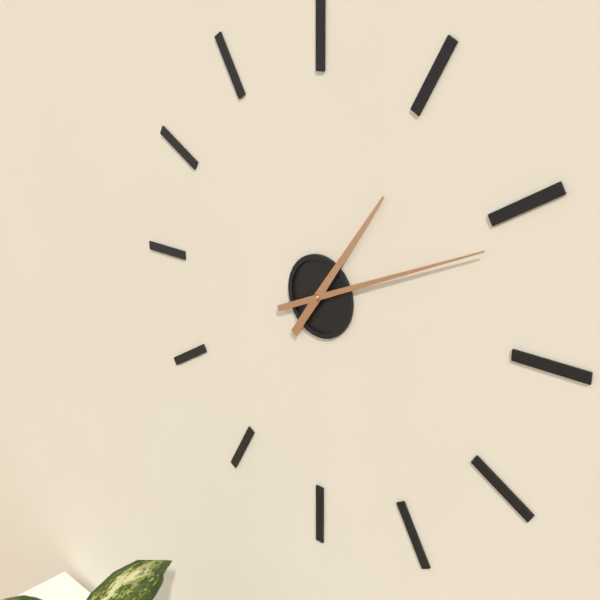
1.11
